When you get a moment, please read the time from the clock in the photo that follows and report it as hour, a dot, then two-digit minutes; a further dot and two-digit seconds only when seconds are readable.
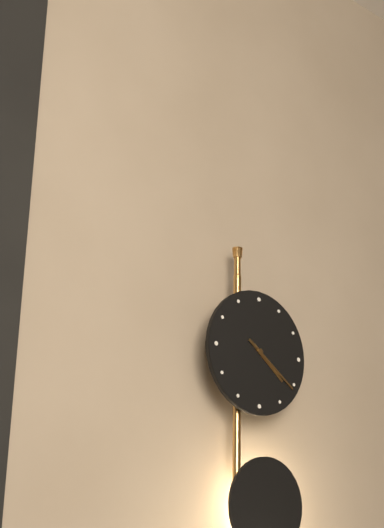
4.21
